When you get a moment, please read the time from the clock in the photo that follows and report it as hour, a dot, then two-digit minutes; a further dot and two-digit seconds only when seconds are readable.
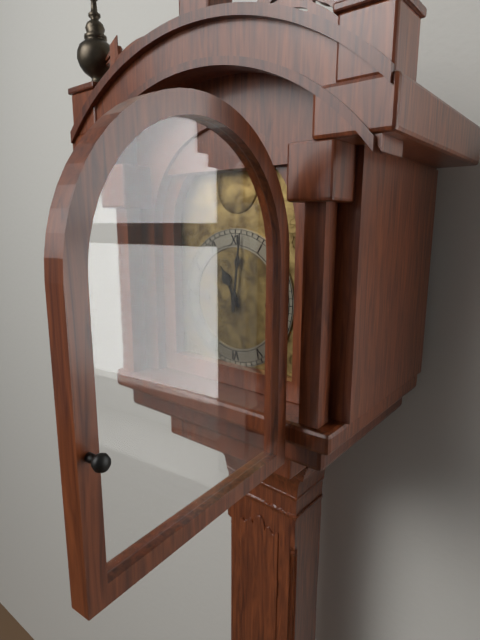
11.01
